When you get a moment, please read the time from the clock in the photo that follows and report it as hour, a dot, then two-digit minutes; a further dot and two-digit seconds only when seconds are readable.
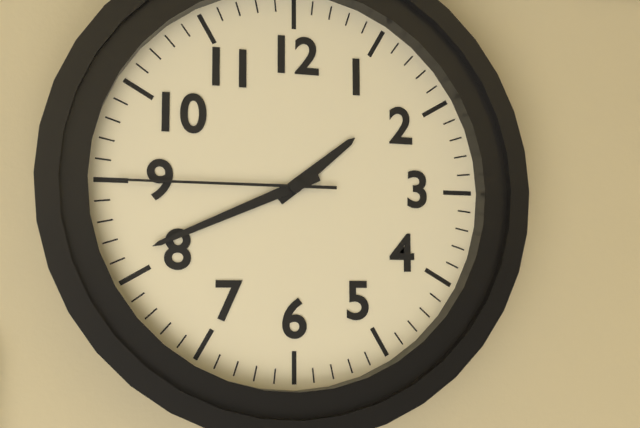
1.41.45
